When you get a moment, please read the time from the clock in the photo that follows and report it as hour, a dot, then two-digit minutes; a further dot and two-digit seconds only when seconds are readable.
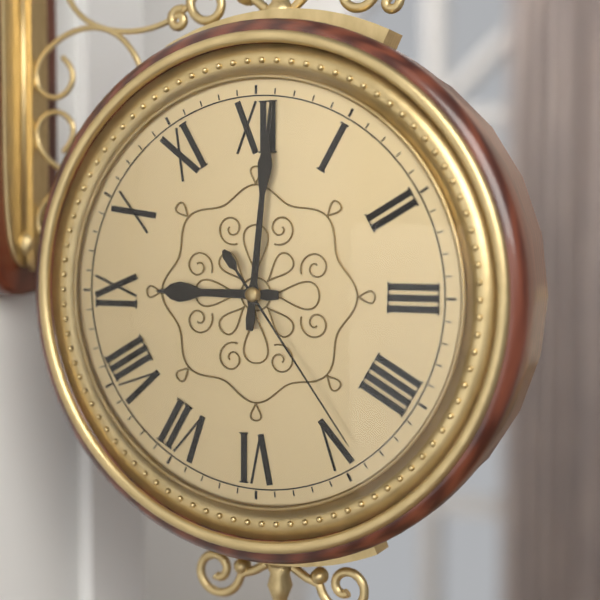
9.01.24
